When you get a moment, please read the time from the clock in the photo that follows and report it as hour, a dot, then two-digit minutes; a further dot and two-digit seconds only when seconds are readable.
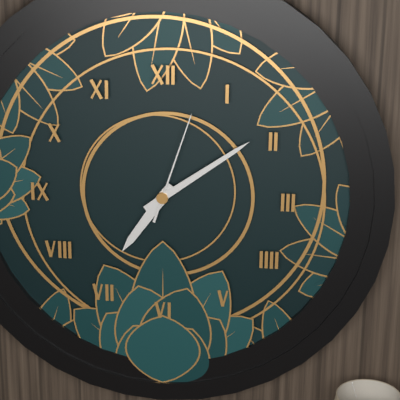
7.09.03
